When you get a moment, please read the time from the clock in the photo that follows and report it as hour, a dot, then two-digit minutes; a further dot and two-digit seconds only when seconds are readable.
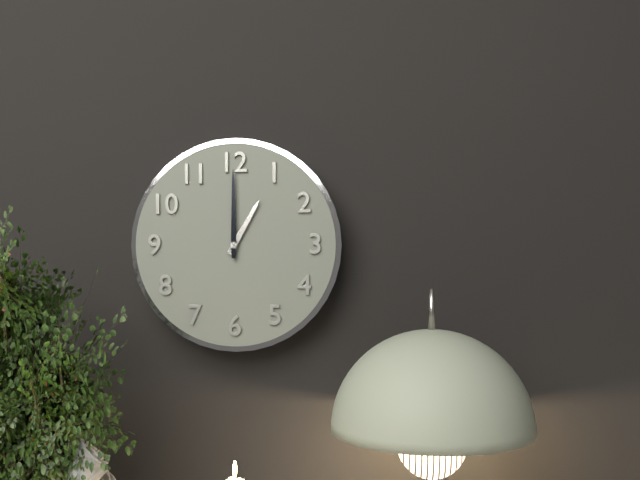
1.00
